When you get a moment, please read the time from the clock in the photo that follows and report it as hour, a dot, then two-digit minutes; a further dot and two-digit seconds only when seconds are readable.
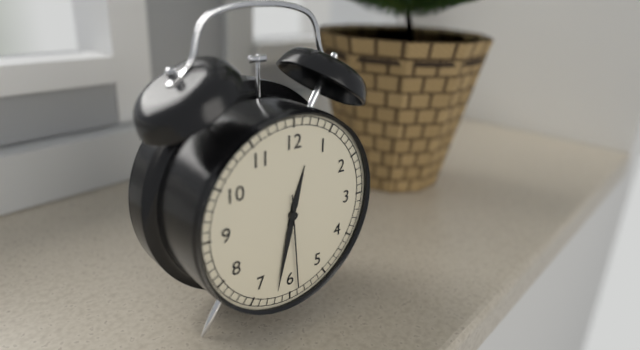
12.32.29
